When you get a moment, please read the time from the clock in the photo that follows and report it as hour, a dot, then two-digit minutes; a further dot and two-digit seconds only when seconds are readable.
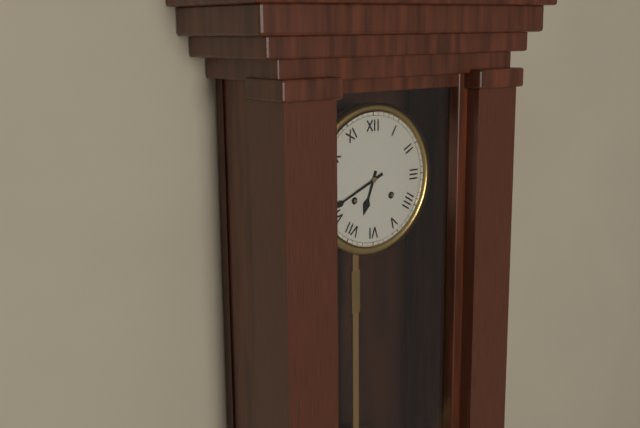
6.41
